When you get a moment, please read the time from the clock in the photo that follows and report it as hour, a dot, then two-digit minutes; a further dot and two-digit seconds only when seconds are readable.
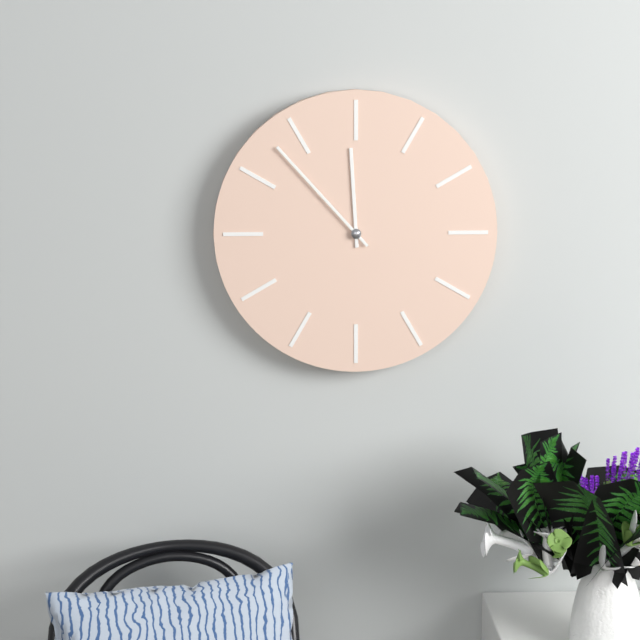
11.53
